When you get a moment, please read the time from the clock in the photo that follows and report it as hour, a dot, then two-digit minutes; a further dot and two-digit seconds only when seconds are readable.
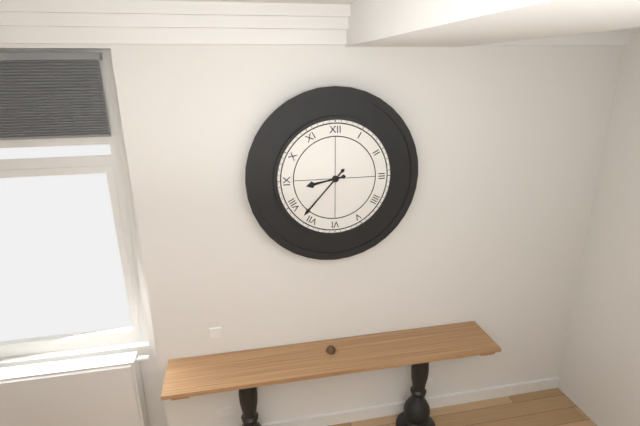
8.37
